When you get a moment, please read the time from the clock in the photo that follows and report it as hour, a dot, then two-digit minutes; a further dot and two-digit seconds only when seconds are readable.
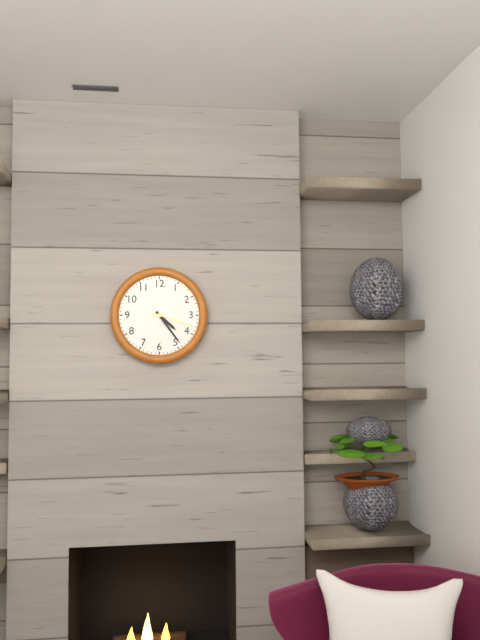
4.24
